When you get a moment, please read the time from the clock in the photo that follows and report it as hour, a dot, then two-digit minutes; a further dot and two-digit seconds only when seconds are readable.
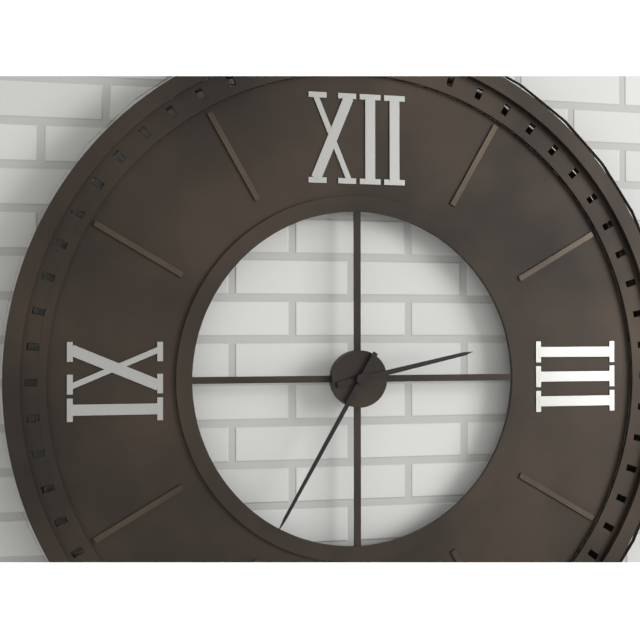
2.35
